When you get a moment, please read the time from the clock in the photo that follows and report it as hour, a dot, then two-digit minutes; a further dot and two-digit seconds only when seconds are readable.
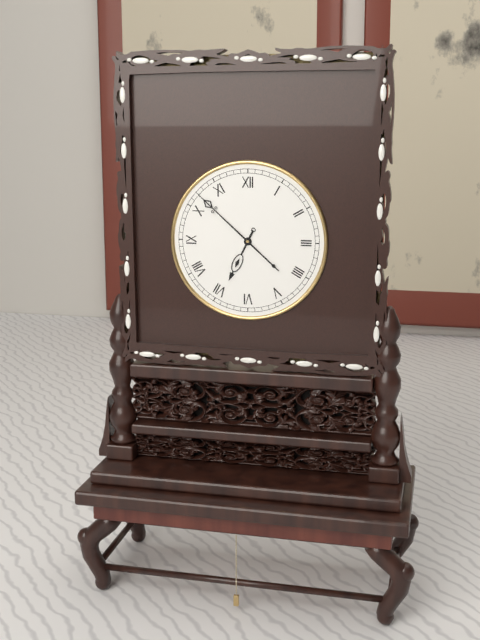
6.52
